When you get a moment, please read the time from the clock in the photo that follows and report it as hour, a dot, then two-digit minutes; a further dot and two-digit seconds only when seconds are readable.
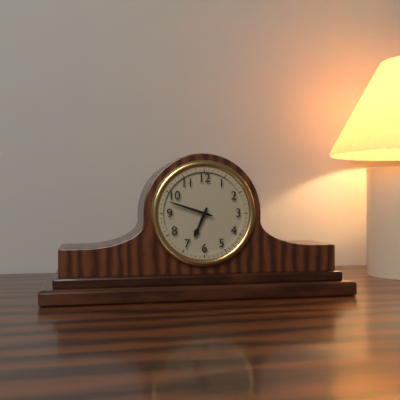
6.48
